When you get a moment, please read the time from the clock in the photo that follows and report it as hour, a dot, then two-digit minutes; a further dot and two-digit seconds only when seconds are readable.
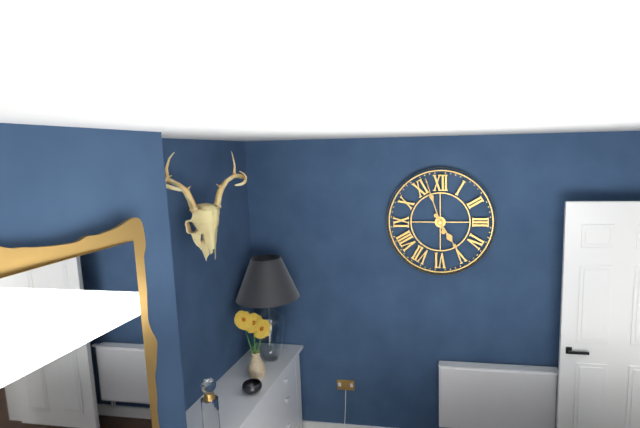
4.57
